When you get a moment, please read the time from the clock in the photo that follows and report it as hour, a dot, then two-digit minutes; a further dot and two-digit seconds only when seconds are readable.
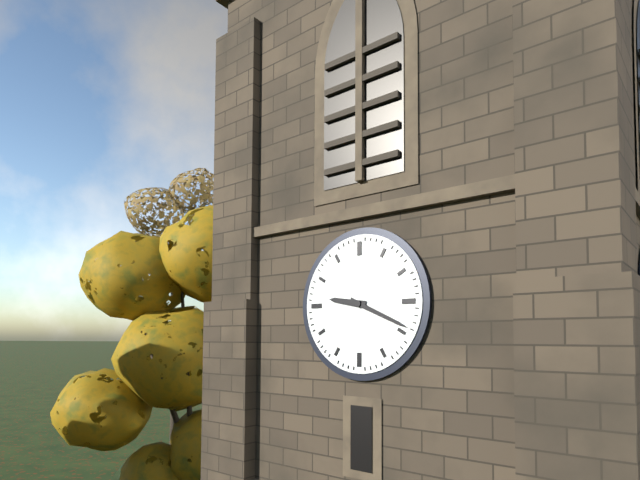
9.19
